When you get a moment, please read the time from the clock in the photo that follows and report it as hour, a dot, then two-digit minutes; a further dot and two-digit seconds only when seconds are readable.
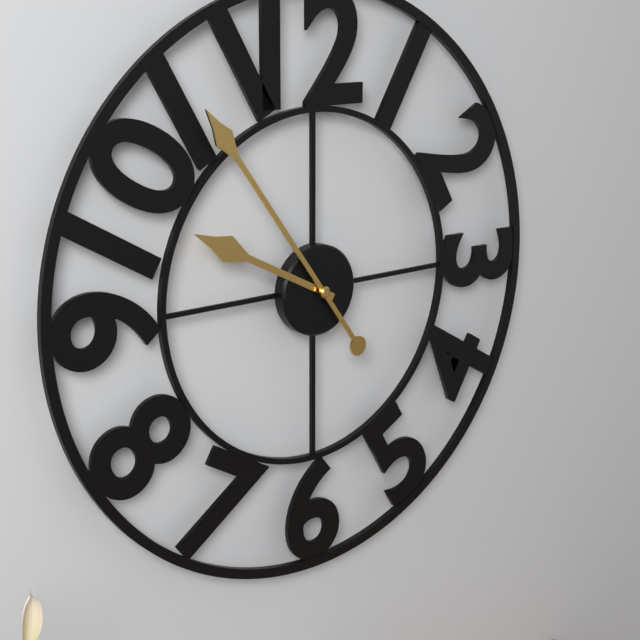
9.54
